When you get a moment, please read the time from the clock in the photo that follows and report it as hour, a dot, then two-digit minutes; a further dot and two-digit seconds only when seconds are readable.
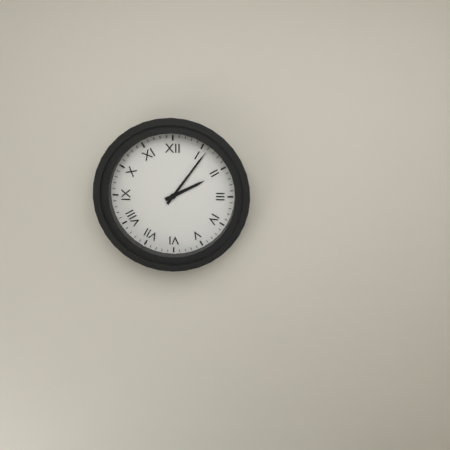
2.06
